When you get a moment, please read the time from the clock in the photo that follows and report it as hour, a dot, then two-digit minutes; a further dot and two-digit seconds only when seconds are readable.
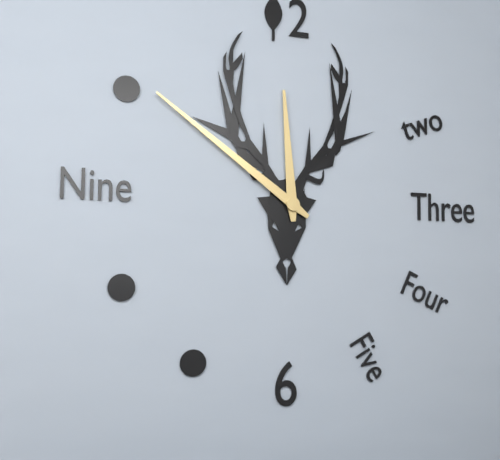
11.51
